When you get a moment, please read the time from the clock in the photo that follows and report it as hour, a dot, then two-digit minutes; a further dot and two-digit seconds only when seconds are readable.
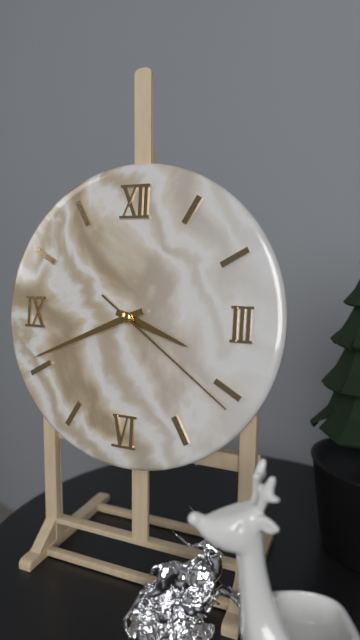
3.41.21
